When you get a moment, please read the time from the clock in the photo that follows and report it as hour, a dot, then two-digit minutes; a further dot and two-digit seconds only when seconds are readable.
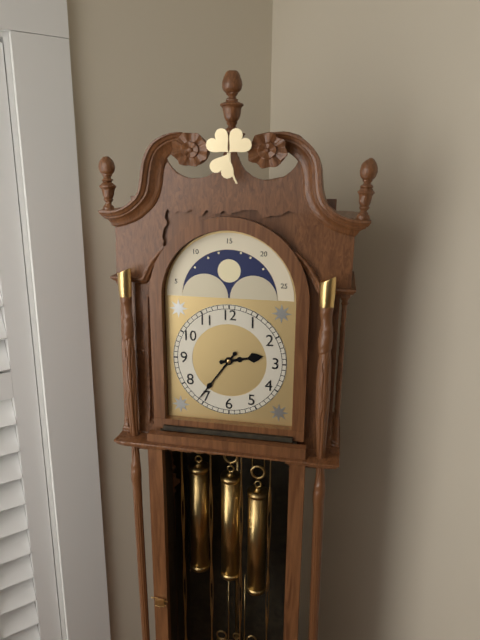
2.36
